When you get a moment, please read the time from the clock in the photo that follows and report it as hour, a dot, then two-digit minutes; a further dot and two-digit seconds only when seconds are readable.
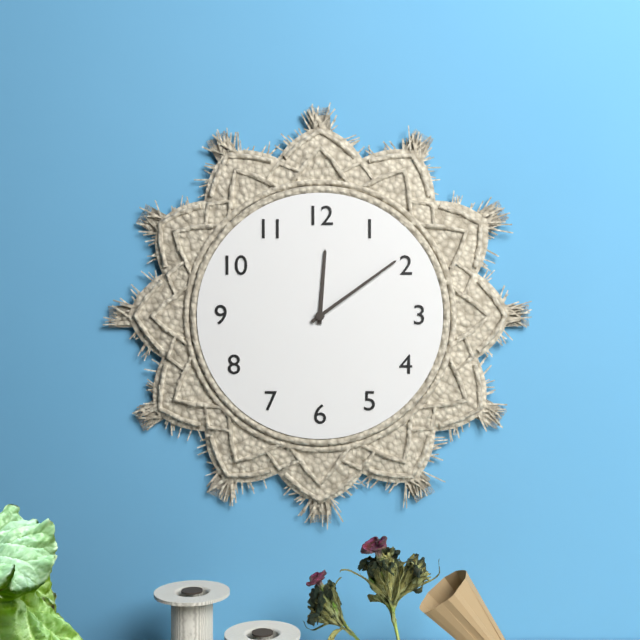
12.09
